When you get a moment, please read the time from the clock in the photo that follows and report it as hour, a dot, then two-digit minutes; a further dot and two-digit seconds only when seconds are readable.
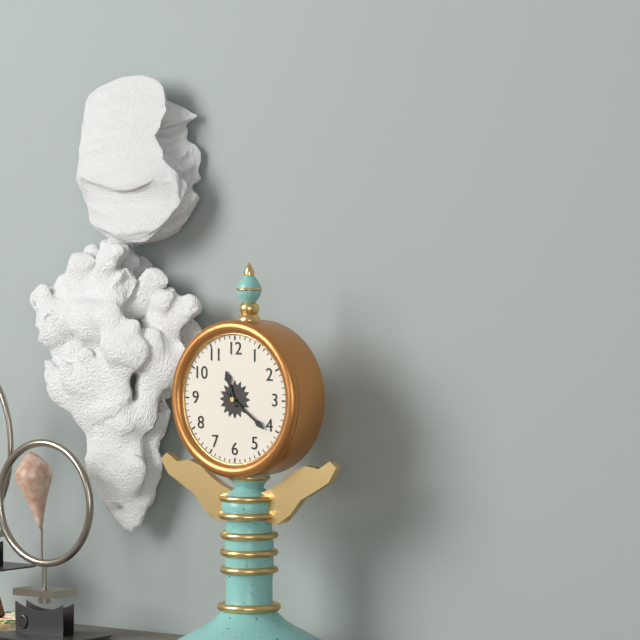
11.21
